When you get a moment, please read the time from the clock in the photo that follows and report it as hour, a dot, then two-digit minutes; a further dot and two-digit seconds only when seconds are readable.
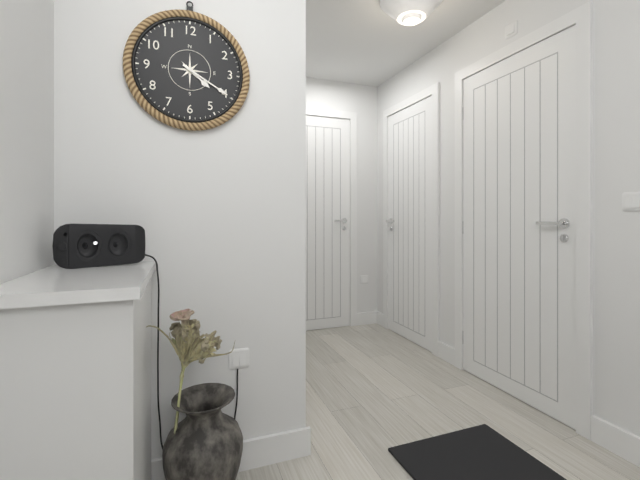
4.20
